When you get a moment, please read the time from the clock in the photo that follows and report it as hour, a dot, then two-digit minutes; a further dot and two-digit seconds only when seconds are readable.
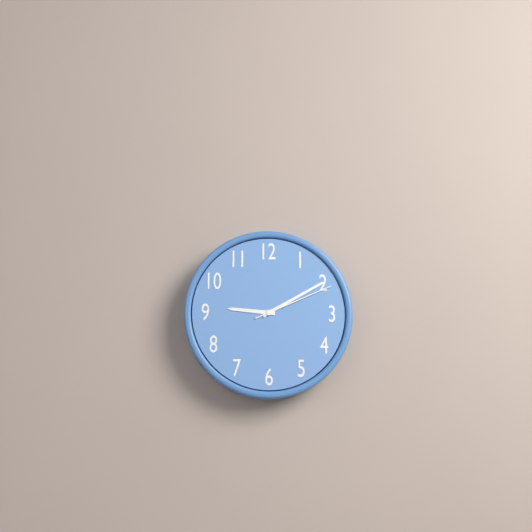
9.10.11
